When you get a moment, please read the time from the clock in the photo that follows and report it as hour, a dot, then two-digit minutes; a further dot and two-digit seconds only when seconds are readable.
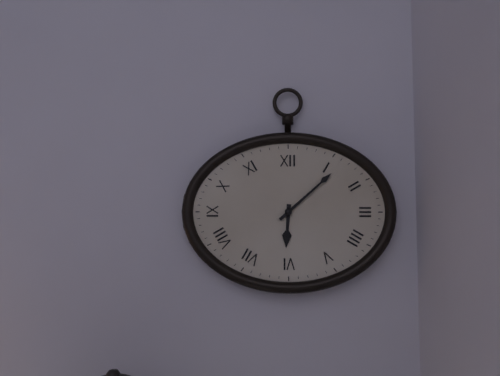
6.08
